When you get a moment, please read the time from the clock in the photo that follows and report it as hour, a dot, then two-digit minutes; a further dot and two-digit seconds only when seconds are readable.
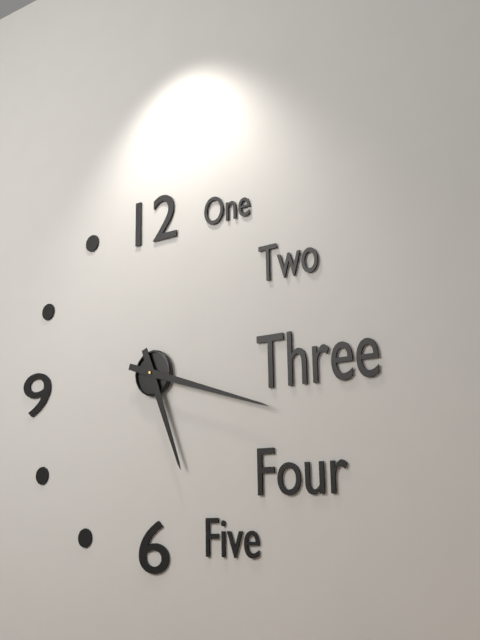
5.18
